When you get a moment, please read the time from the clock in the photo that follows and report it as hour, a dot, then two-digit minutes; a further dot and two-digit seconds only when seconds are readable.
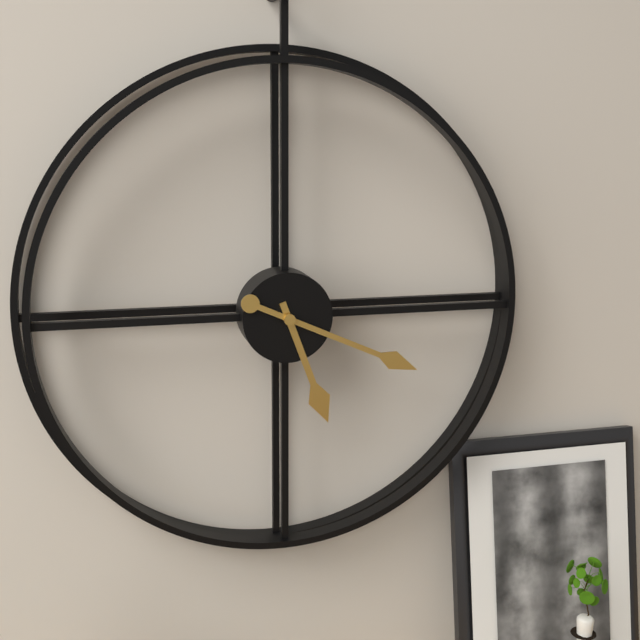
5.19
